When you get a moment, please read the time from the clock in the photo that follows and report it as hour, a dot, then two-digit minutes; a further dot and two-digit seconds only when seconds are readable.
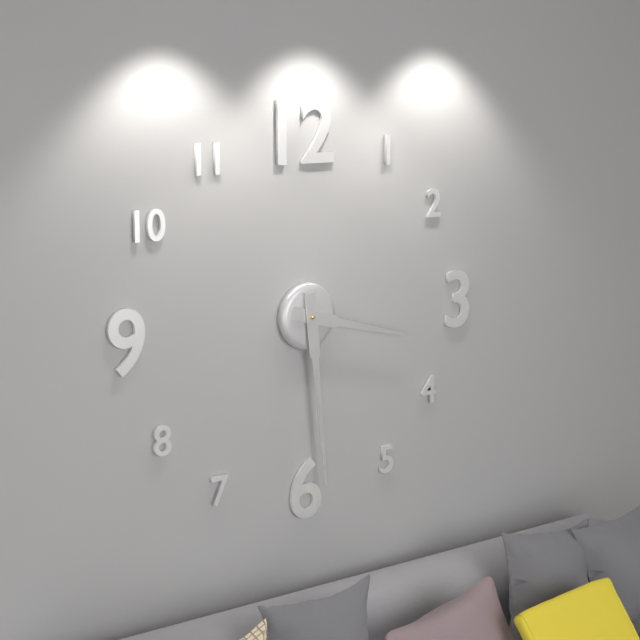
3.29
